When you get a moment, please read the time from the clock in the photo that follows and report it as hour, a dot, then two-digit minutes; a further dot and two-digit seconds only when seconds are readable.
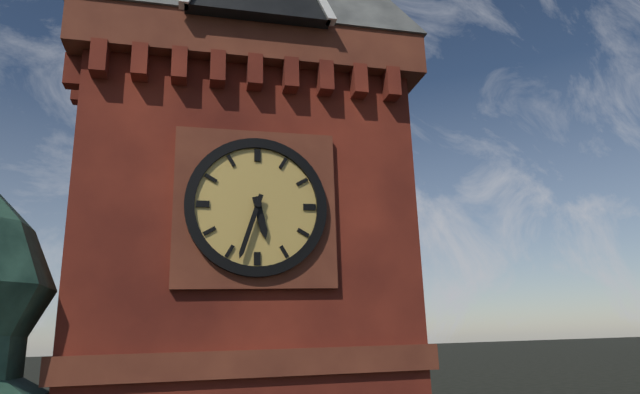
5.33
